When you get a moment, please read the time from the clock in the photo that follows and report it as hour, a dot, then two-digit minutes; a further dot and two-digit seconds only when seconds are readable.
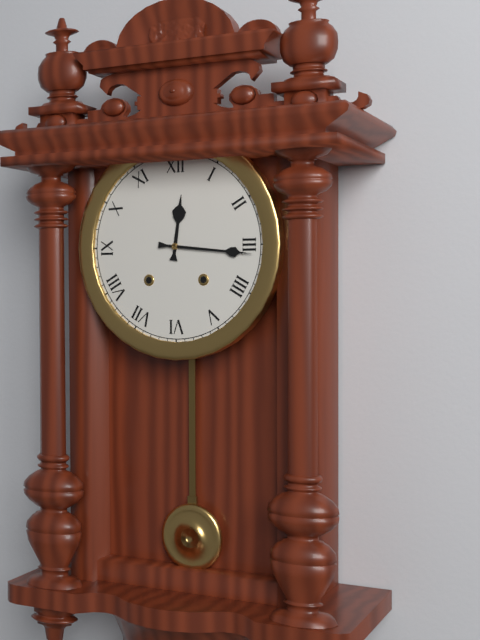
12.16
